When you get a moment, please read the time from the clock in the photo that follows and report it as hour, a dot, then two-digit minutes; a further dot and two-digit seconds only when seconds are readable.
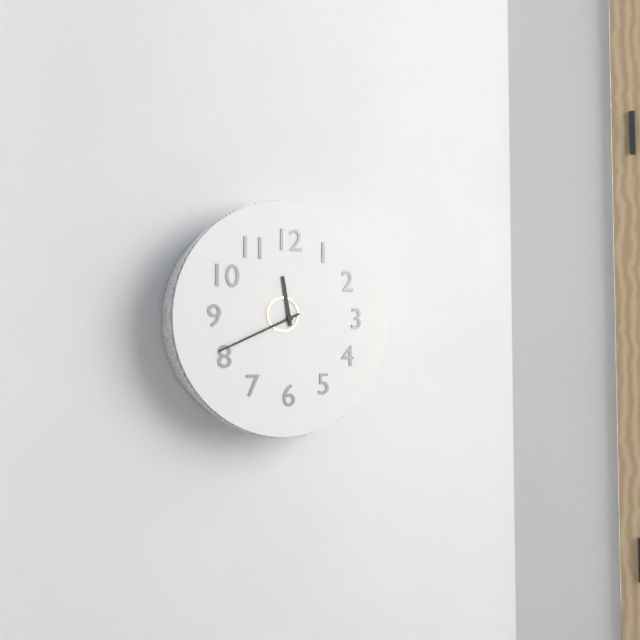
11.41
